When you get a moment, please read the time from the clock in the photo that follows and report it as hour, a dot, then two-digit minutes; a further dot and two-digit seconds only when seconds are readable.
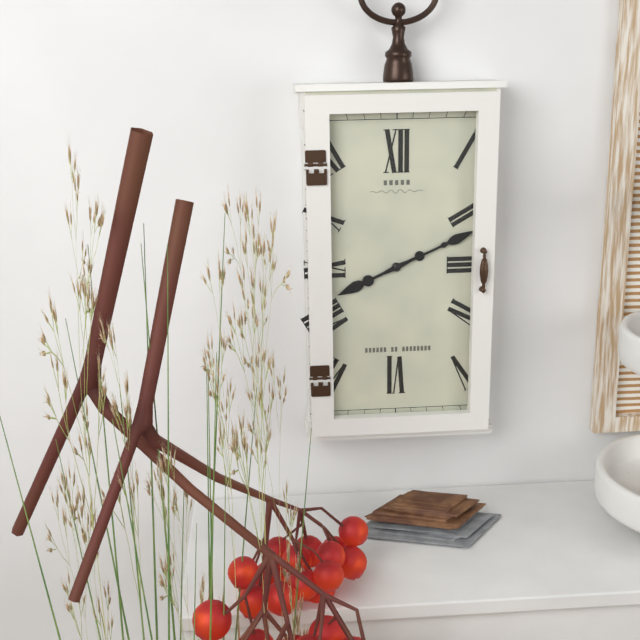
8.11
